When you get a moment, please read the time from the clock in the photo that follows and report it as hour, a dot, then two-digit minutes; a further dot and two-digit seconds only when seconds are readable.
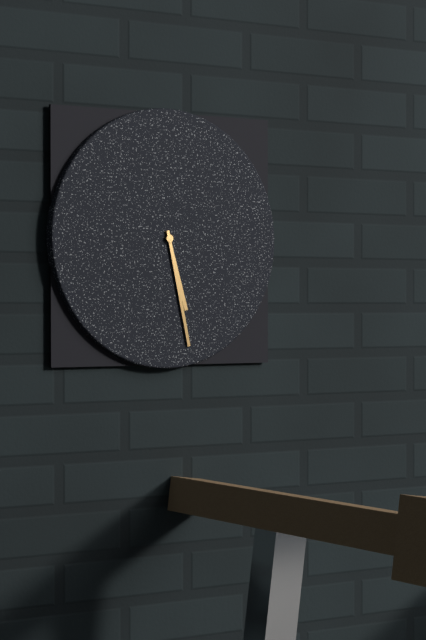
5.28
